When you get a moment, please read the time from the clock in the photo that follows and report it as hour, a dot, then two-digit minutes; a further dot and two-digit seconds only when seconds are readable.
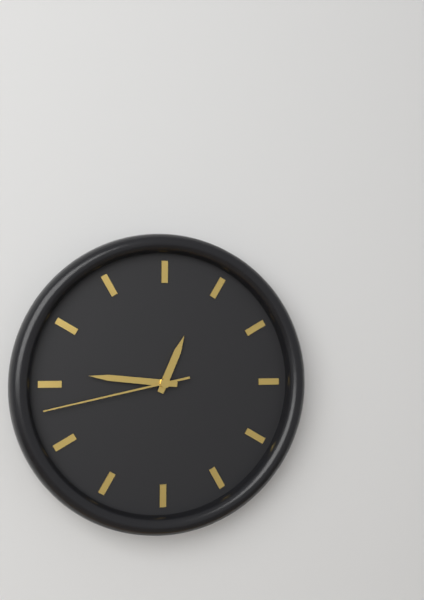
12.46.43
